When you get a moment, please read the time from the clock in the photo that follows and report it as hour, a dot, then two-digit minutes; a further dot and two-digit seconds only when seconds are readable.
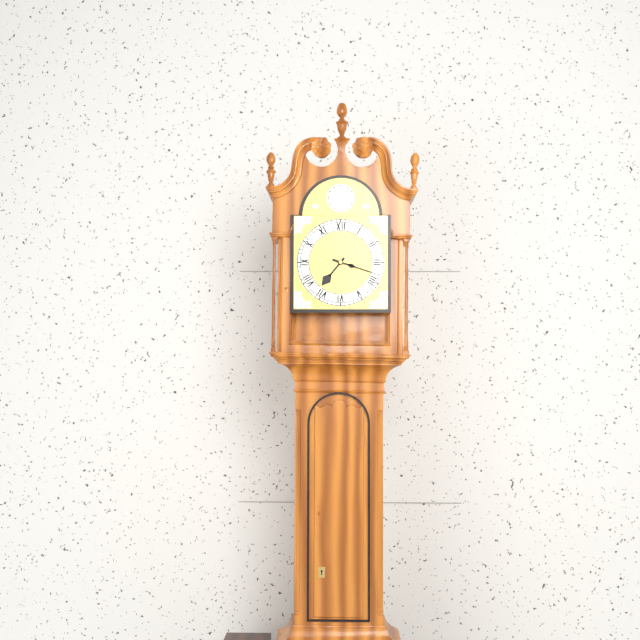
7.18
